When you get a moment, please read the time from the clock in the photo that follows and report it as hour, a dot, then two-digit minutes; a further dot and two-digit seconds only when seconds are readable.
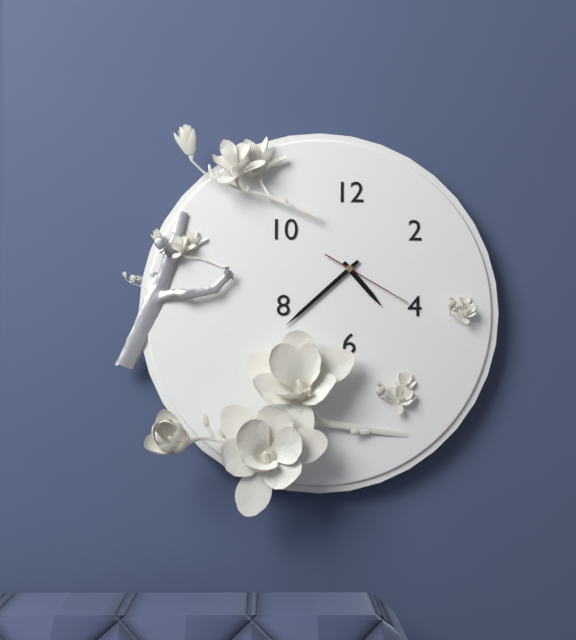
4.38.20
